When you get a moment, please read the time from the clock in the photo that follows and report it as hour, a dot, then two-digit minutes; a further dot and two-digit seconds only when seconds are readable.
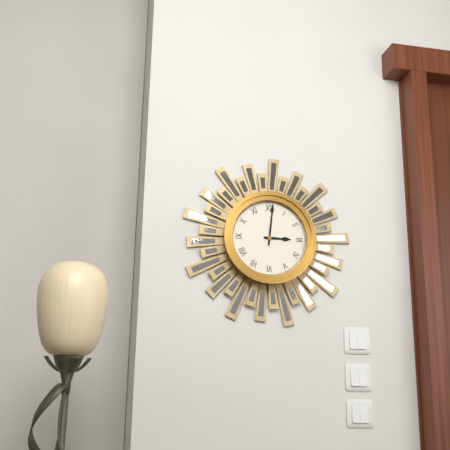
3.01
